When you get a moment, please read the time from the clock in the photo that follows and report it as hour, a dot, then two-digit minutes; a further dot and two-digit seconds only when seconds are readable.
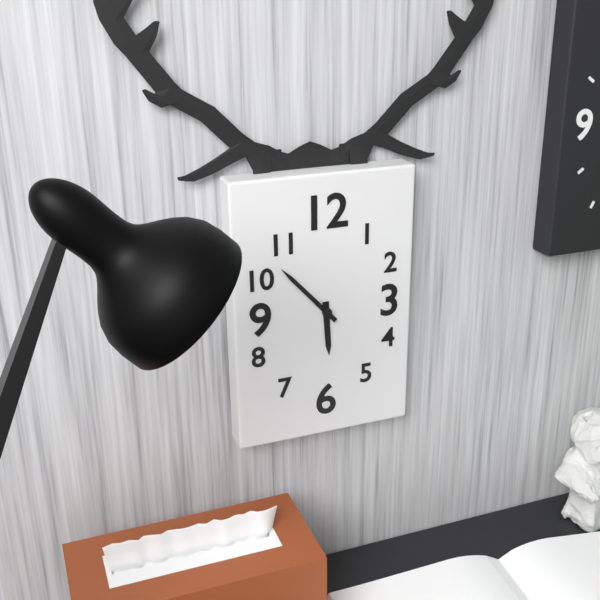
5.53
